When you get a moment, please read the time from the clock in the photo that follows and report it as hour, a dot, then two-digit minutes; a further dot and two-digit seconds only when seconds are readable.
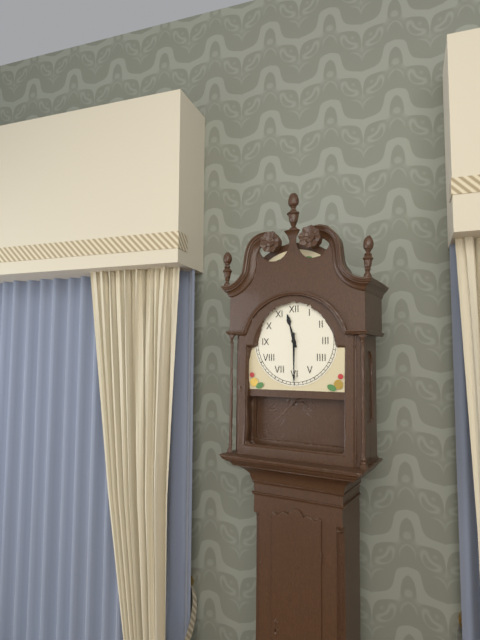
11.30
